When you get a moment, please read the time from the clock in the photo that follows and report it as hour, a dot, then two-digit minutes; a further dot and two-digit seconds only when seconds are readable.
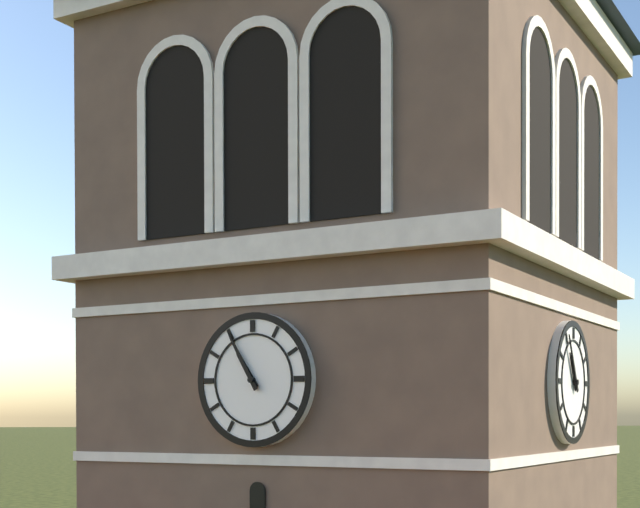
10.55
